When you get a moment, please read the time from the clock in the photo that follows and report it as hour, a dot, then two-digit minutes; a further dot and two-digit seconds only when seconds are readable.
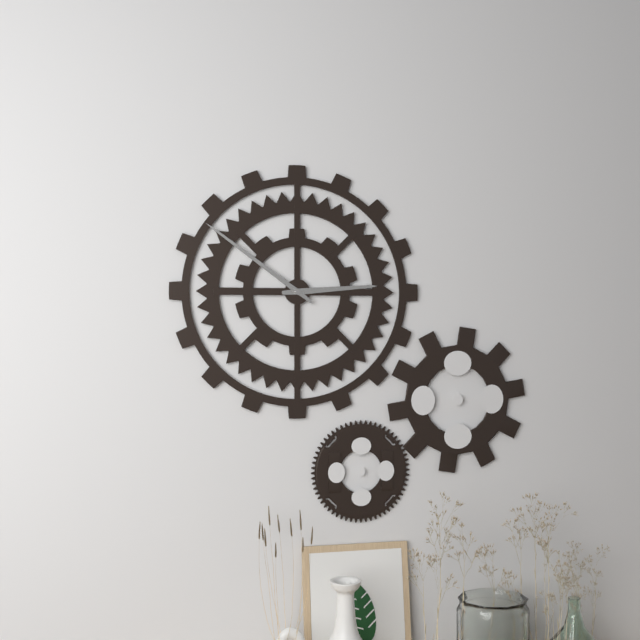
2.51
